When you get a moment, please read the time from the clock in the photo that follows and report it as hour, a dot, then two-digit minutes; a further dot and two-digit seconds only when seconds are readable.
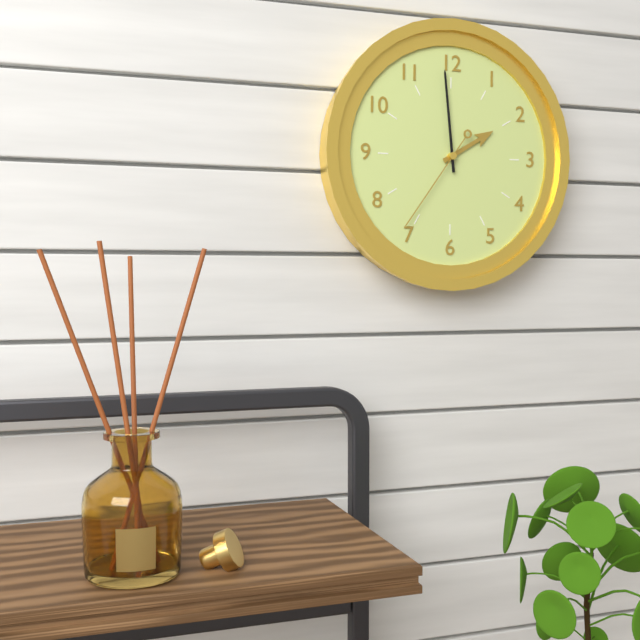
1.59.36
